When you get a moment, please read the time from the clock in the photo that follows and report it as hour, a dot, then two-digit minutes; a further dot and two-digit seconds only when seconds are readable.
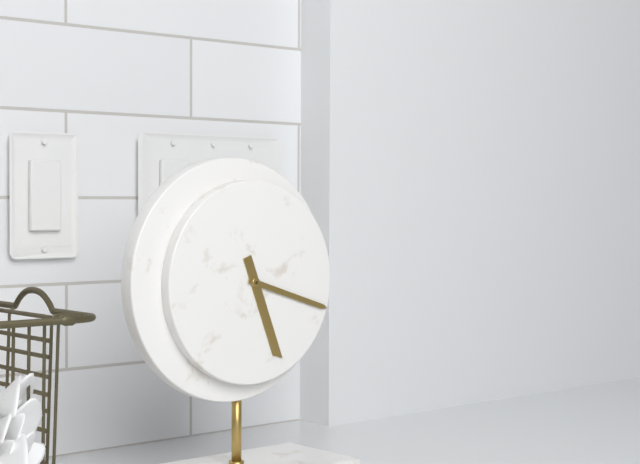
5.18
